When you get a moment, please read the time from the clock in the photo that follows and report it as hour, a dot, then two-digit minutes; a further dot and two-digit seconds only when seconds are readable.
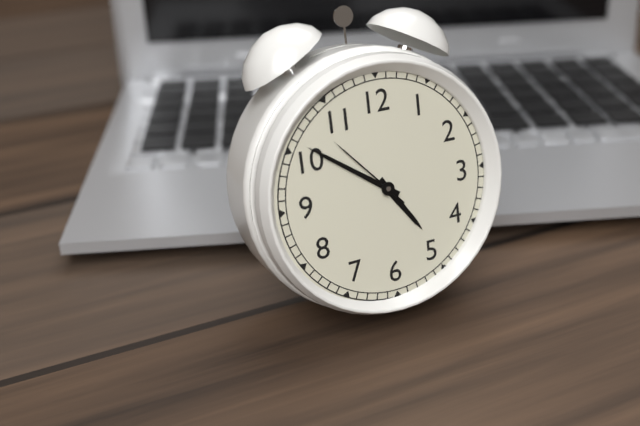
4.51.53
